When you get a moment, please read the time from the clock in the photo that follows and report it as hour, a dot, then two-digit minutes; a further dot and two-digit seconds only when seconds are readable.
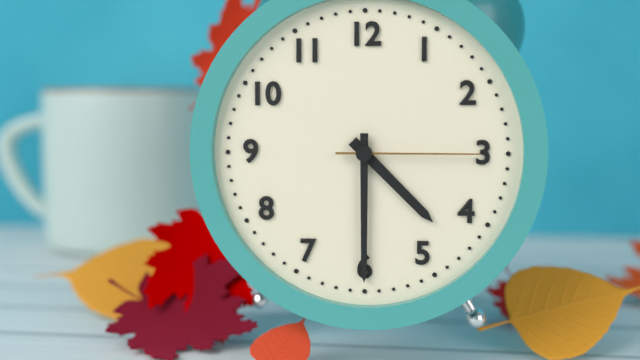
4.30.15
